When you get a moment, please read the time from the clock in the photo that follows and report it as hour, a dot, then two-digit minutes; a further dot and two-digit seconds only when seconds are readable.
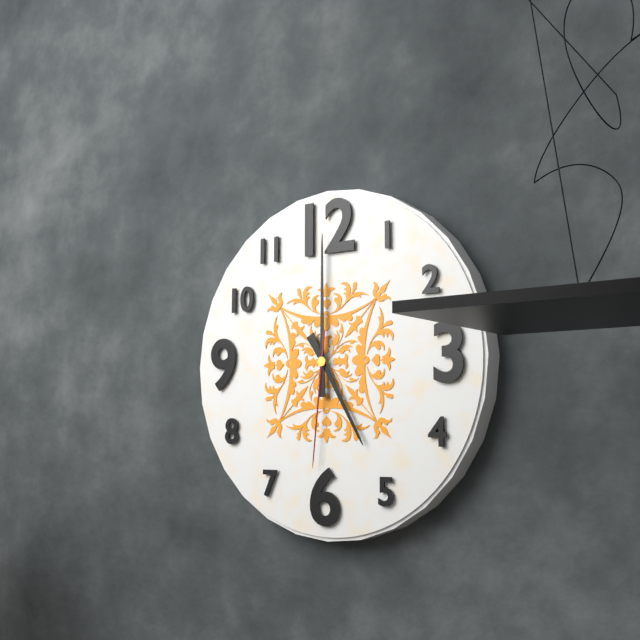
5.00.31
